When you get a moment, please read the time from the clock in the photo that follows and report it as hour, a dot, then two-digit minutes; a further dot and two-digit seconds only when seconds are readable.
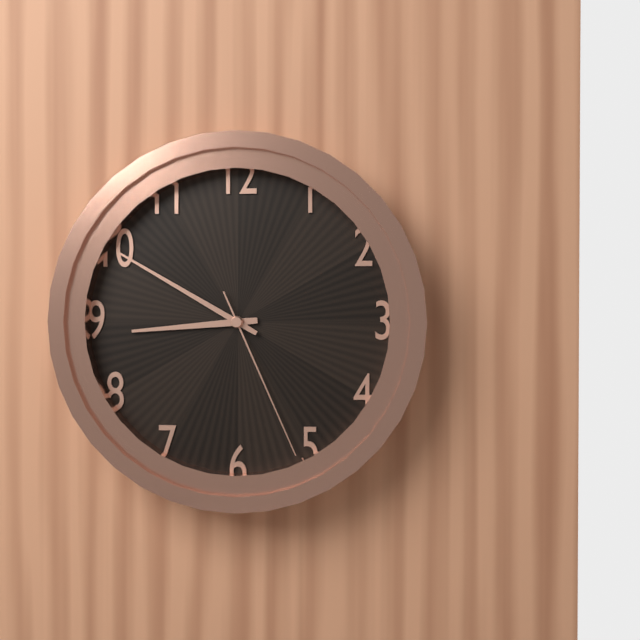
8.50.26
